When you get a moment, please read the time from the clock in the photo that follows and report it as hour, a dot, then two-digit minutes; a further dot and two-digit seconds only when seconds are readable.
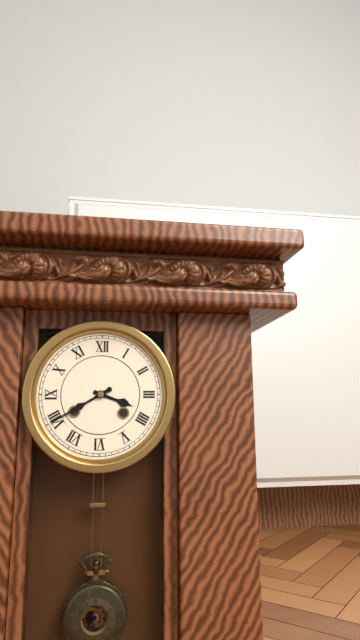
3.40
